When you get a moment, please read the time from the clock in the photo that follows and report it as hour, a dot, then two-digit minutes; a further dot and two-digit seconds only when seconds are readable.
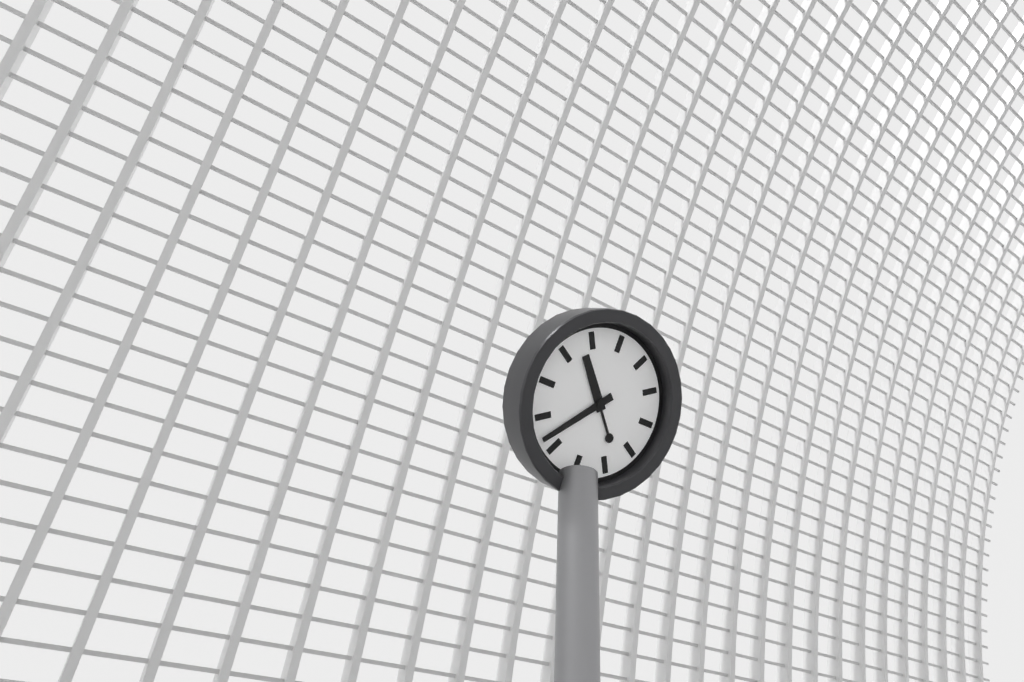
10.37
